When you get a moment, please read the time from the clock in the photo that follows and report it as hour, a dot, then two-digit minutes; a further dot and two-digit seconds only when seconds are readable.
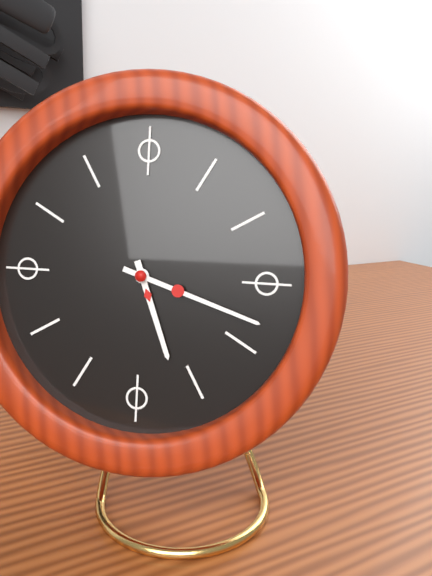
5.18
